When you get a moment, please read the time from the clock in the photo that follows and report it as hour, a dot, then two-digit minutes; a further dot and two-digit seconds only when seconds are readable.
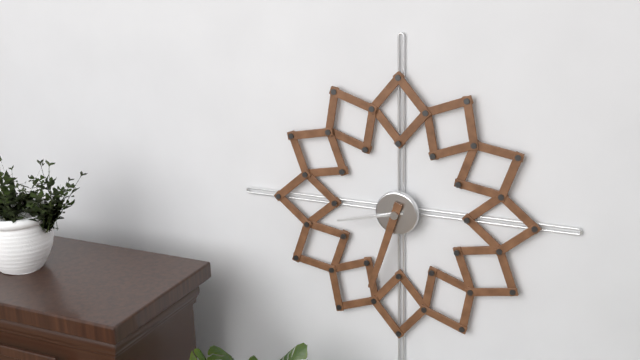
8.33
